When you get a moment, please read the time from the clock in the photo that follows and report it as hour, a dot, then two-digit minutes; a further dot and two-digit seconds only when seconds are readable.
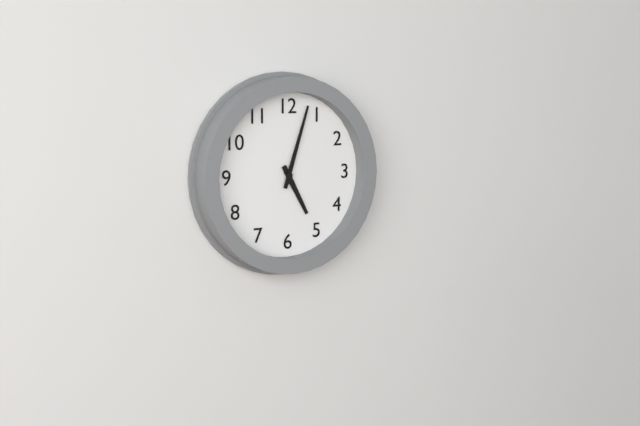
5.03
